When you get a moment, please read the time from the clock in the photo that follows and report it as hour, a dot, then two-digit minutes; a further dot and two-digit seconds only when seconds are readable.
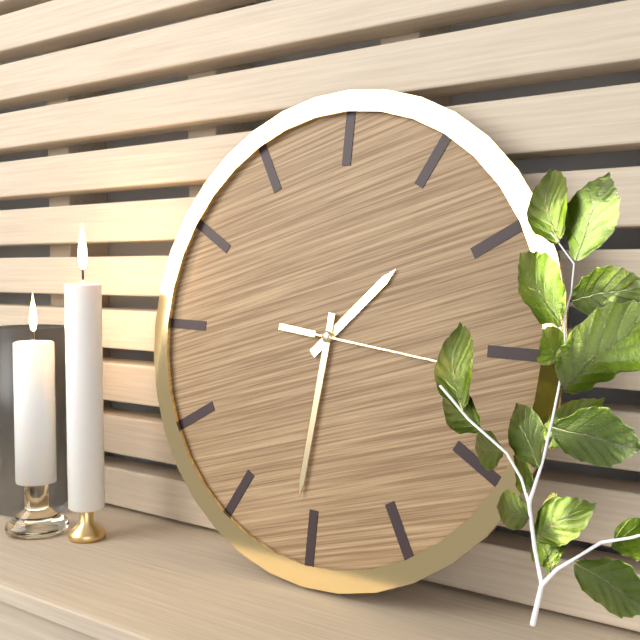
1.31.16
